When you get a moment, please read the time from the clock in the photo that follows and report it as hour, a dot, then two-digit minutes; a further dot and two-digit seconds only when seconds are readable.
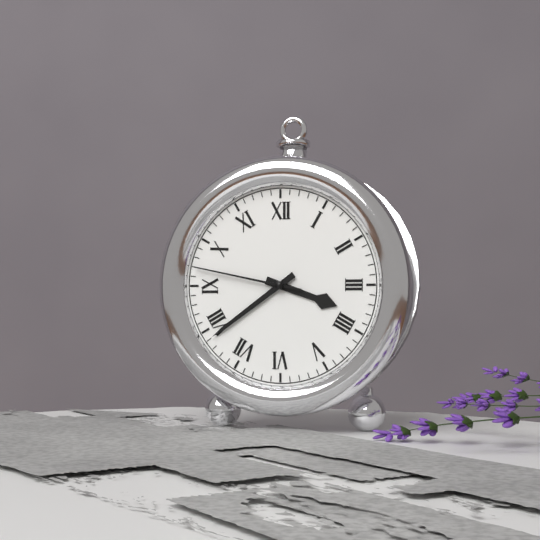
3.39.47
